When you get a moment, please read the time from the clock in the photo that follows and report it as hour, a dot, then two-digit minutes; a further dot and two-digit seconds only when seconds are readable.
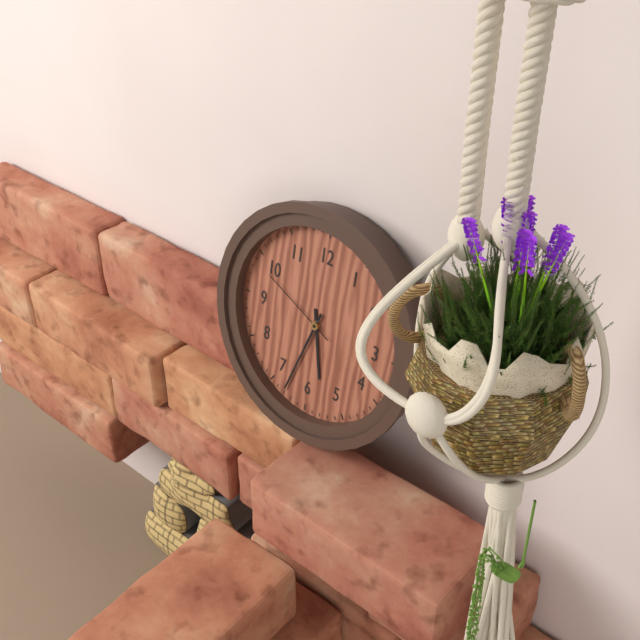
5.33.49
